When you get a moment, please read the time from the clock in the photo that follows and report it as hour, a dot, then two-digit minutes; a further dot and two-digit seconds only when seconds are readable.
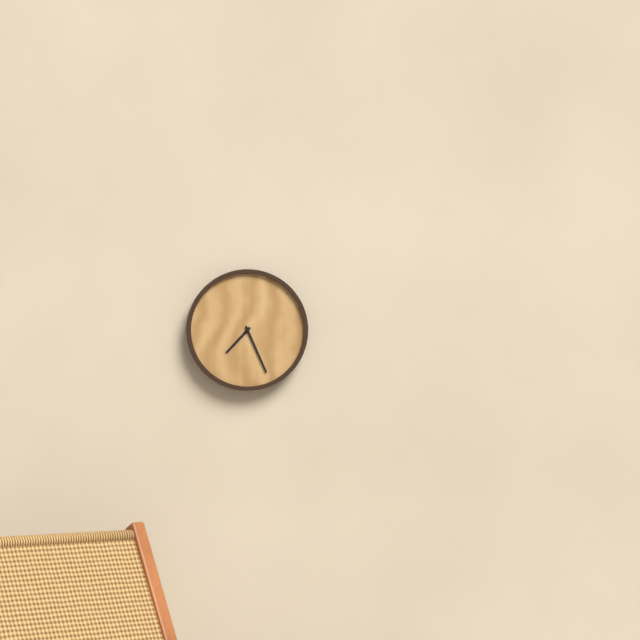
7.26
